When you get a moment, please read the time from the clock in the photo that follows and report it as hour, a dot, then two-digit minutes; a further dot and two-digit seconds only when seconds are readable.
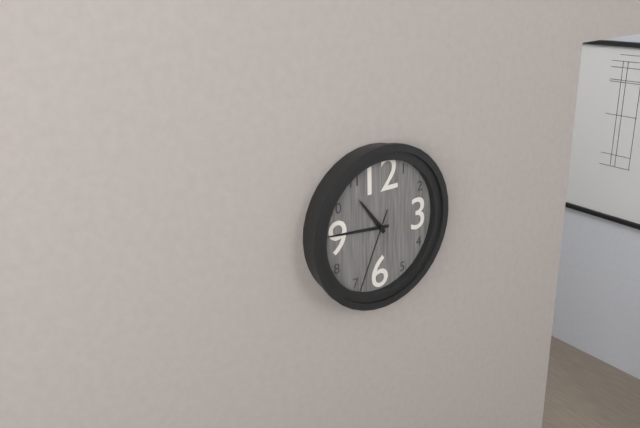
10.46.34
